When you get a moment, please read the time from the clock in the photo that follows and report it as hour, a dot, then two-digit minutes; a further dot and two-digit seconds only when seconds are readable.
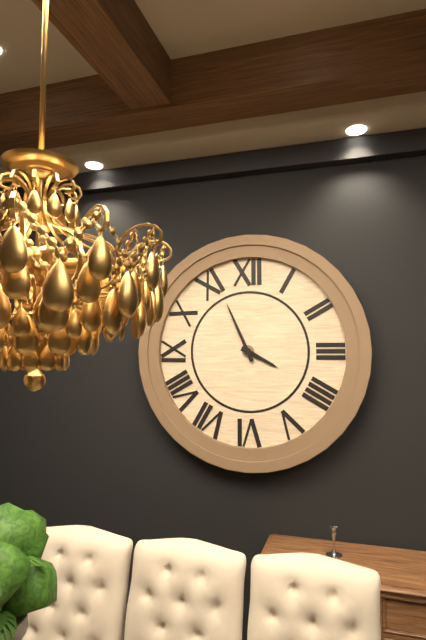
3.56
